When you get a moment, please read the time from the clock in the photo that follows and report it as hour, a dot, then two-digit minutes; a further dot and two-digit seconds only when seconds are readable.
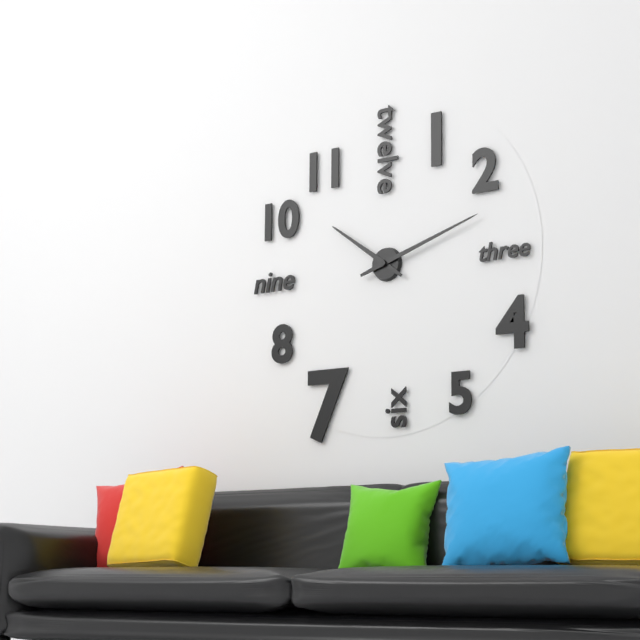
10.12
